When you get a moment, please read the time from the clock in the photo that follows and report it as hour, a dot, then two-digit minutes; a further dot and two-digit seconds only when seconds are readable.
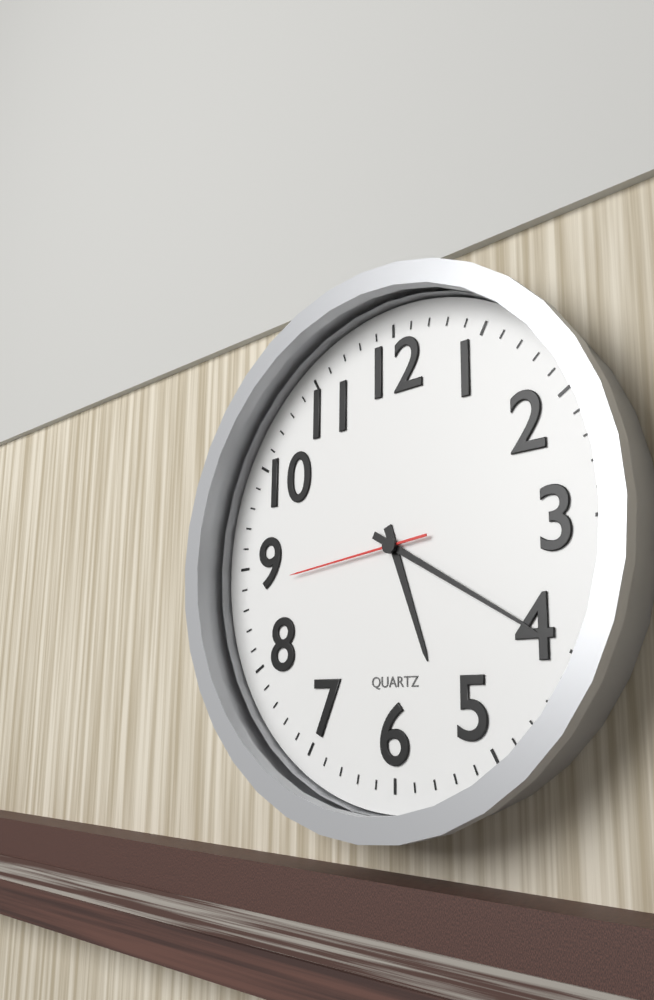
5.20.44
